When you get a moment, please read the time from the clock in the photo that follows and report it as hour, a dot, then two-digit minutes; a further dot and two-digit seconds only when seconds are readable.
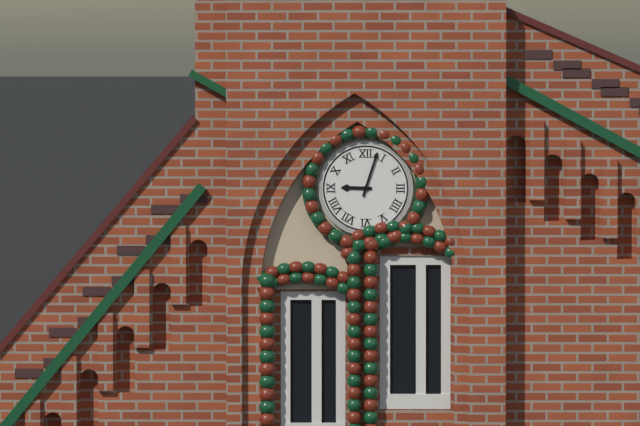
9.03
